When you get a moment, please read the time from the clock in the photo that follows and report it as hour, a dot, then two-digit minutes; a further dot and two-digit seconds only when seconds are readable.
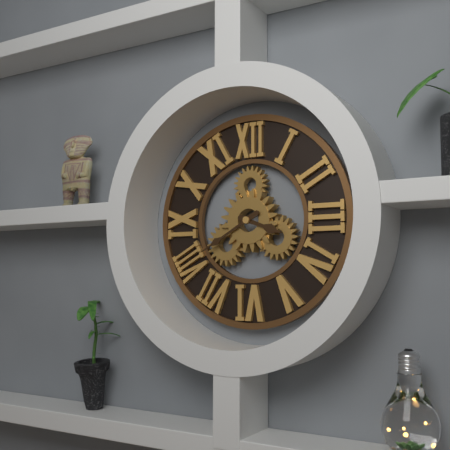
3.40
